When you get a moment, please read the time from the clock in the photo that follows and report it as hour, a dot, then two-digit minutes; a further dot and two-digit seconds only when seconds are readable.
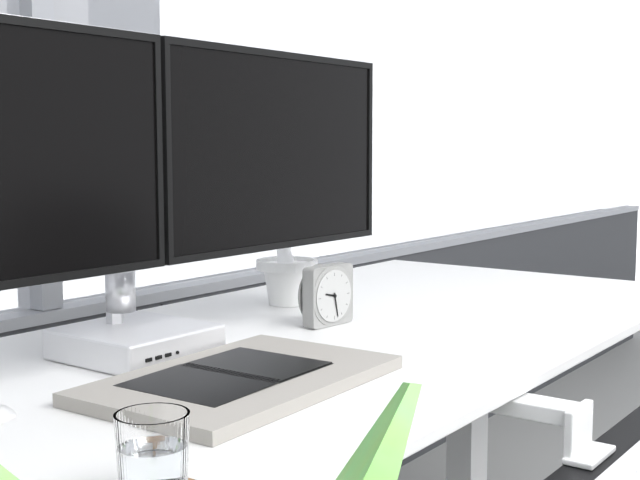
9.28
